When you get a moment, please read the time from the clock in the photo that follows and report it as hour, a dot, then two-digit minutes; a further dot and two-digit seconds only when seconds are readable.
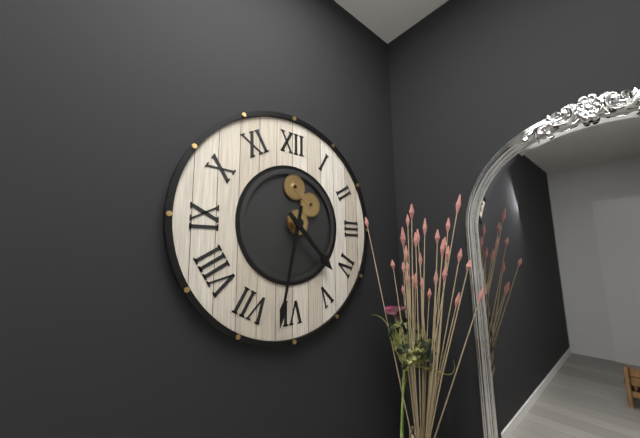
4.32
